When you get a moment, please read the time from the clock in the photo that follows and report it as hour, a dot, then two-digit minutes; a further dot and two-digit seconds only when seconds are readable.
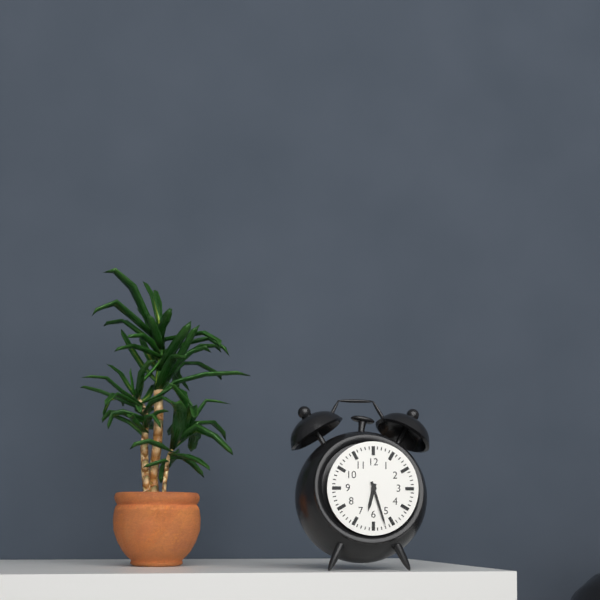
6.27
